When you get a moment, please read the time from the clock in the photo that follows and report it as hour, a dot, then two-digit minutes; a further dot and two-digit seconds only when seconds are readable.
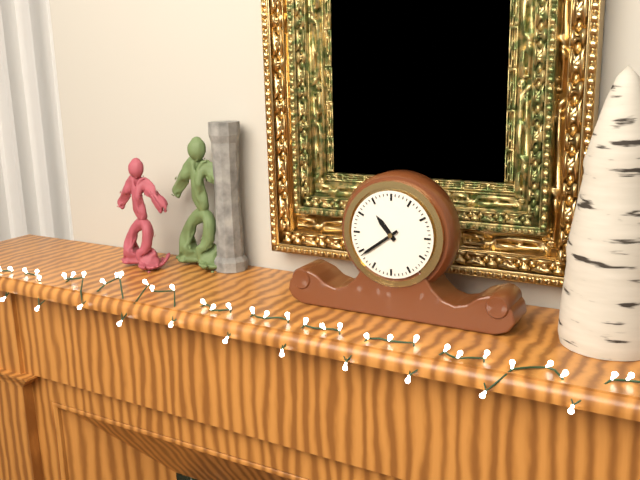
10.39
